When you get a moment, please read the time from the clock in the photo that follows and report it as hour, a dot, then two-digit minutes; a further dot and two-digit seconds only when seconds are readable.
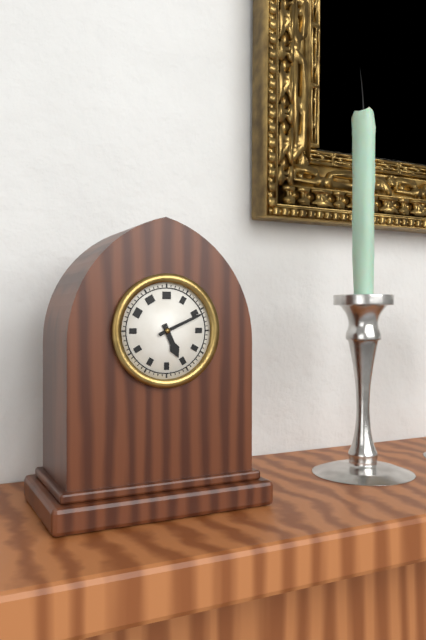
5.11
